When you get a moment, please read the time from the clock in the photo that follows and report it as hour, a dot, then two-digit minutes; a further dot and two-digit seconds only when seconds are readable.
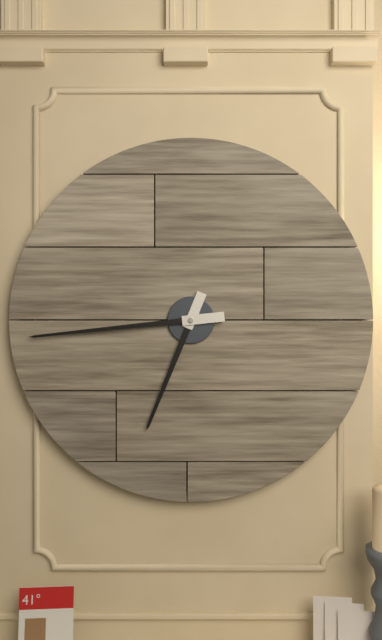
6.44
